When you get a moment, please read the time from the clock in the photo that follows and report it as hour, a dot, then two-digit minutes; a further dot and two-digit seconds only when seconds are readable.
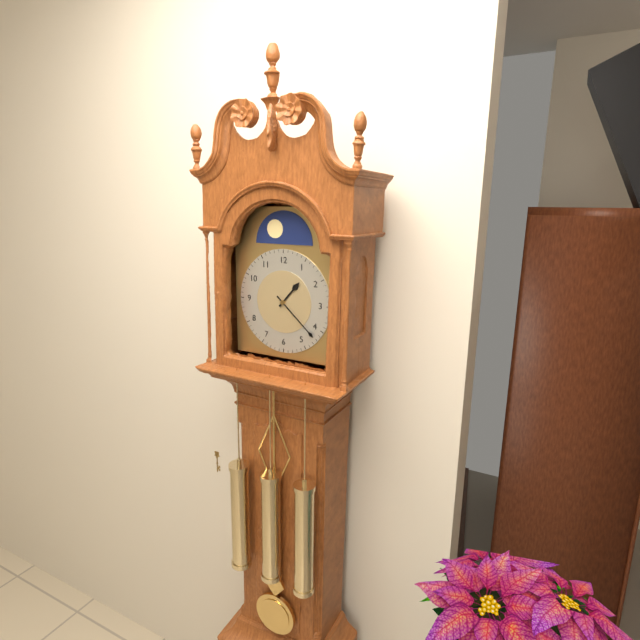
1.22
